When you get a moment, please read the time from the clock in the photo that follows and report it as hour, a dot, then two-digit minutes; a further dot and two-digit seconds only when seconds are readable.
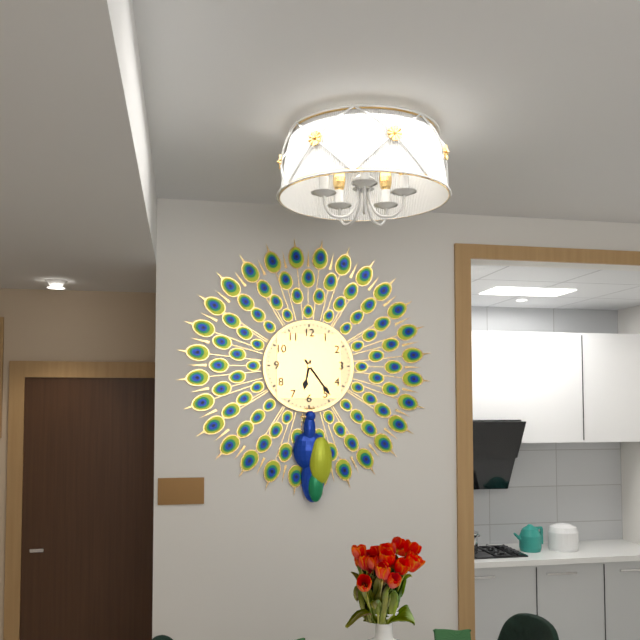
6.24
